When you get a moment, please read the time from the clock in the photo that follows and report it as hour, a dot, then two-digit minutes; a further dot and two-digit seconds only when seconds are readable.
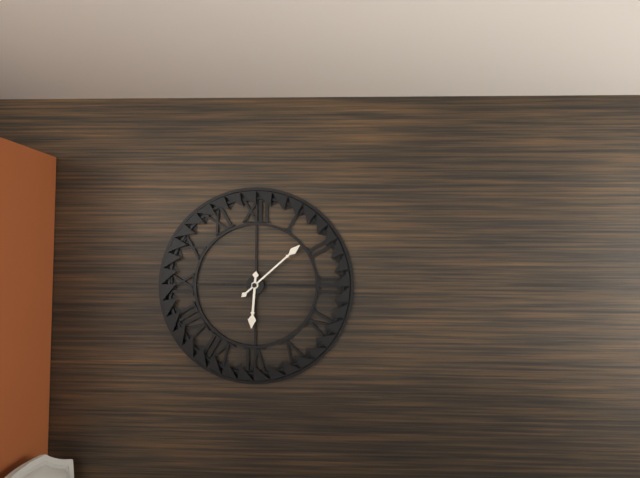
6.08
